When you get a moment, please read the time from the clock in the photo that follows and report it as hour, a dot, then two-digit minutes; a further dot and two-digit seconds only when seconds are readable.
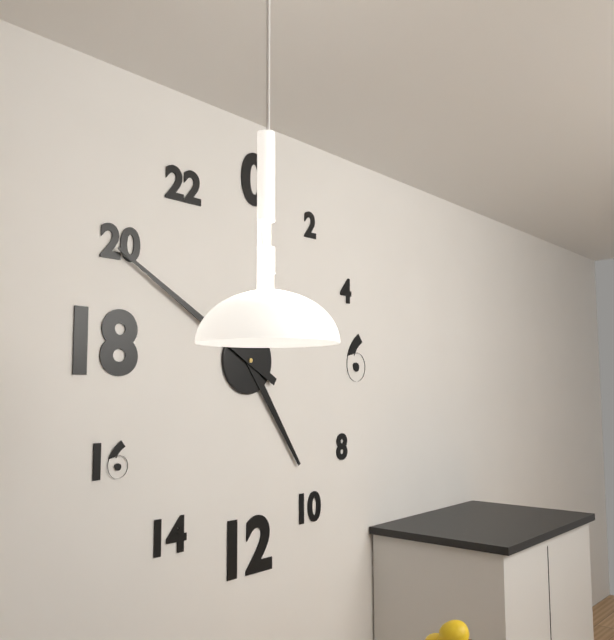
4.50
